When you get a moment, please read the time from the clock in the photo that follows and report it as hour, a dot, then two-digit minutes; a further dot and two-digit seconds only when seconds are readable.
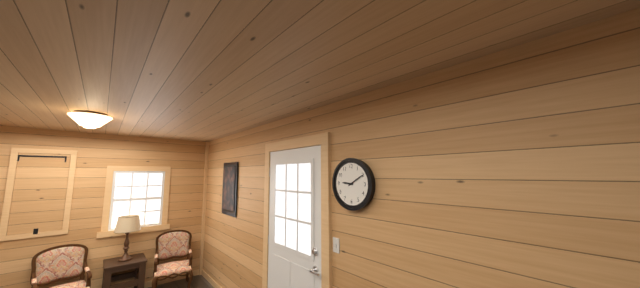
9.10
